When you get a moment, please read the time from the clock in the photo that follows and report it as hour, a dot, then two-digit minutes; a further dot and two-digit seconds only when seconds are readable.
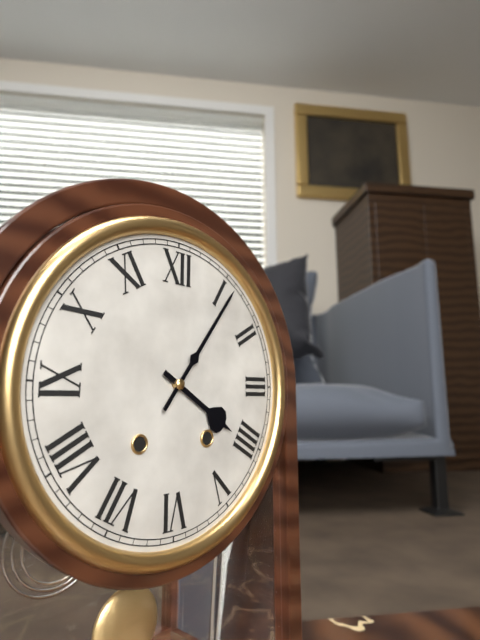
4.06
